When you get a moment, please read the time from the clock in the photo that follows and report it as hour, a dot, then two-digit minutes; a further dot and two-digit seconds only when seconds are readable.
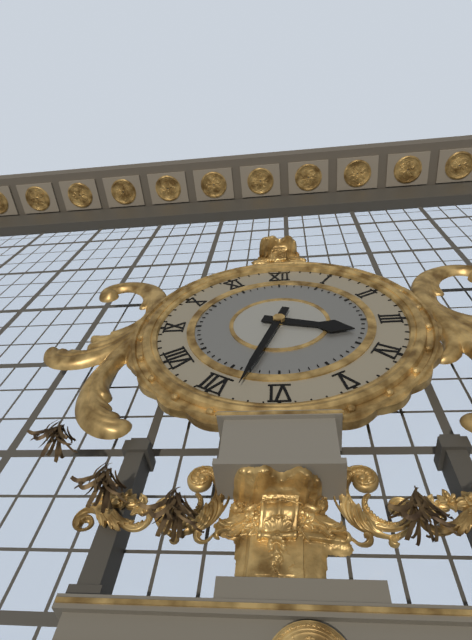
3.33
